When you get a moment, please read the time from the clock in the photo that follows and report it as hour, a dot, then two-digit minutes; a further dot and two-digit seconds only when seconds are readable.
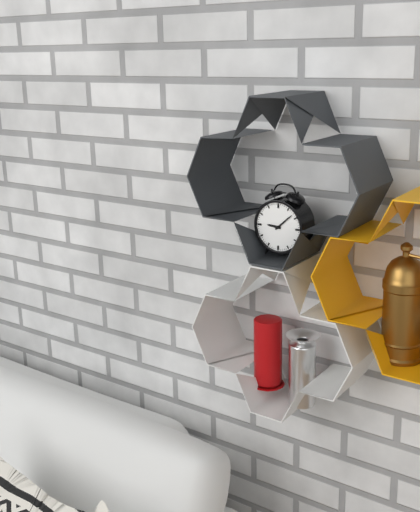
9.08
